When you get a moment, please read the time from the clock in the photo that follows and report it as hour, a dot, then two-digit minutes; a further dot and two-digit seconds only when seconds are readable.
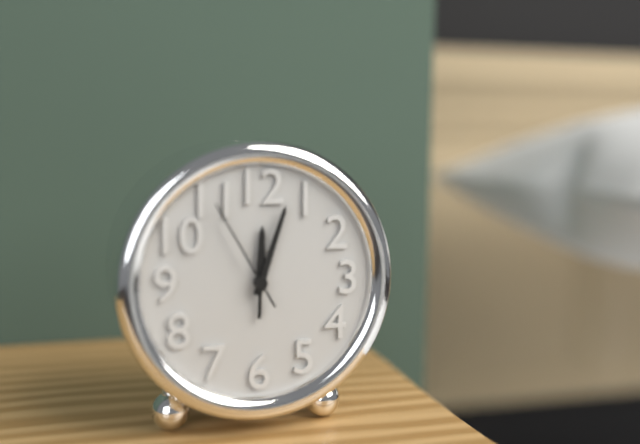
12.03.55
